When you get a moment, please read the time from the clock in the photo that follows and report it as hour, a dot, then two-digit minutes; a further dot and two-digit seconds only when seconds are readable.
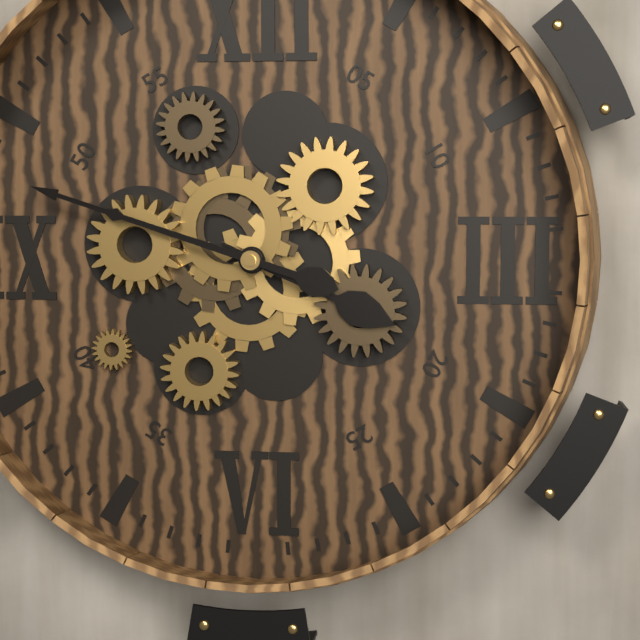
3.48
